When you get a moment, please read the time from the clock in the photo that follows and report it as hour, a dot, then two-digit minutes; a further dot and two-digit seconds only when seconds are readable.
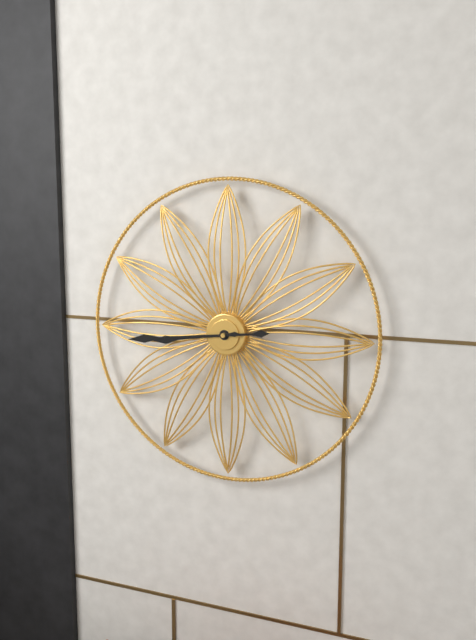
8.44
